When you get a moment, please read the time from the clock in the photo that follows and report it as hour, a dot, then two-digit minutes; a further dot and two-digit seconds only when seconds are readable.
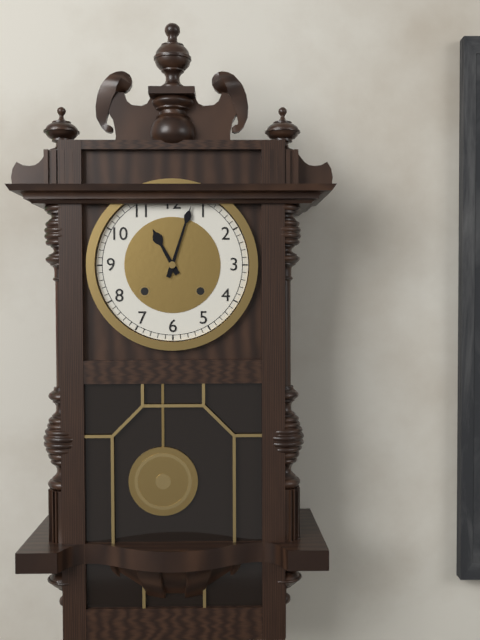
11.03
